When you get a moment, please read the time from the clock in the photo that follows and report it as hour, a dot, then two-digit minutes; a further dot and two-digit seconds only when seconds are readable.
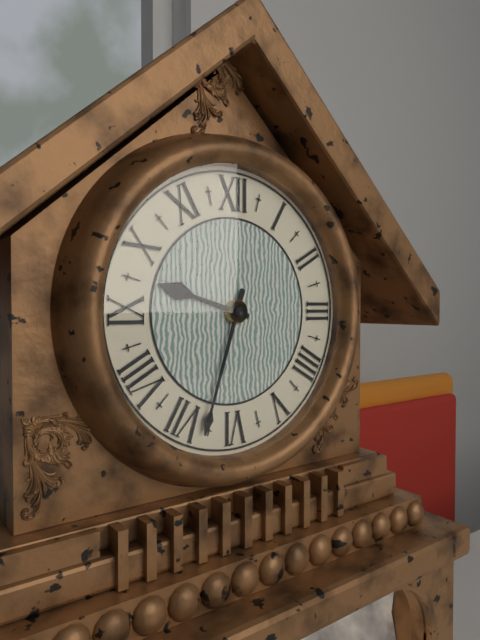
9.33
